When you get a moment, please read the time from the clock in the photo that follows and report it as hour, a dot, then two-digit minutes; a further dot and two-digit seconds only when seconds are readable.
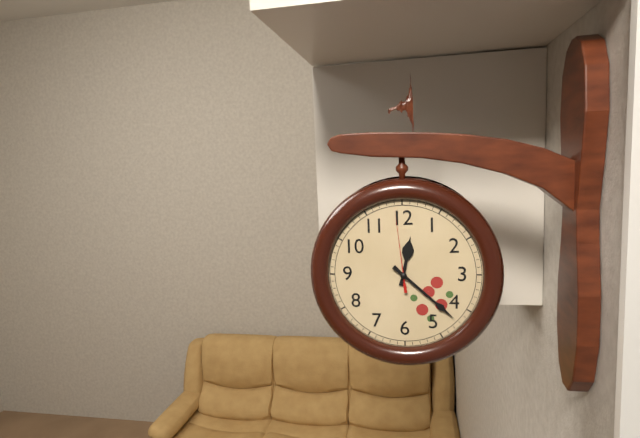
12.22.59
